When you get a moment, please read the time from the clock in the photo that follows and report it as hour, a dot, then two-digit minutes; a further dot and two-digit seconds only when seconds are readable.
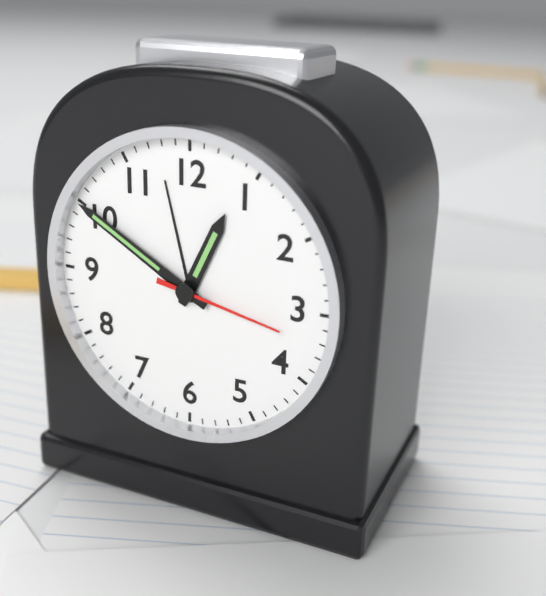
12.50.17
